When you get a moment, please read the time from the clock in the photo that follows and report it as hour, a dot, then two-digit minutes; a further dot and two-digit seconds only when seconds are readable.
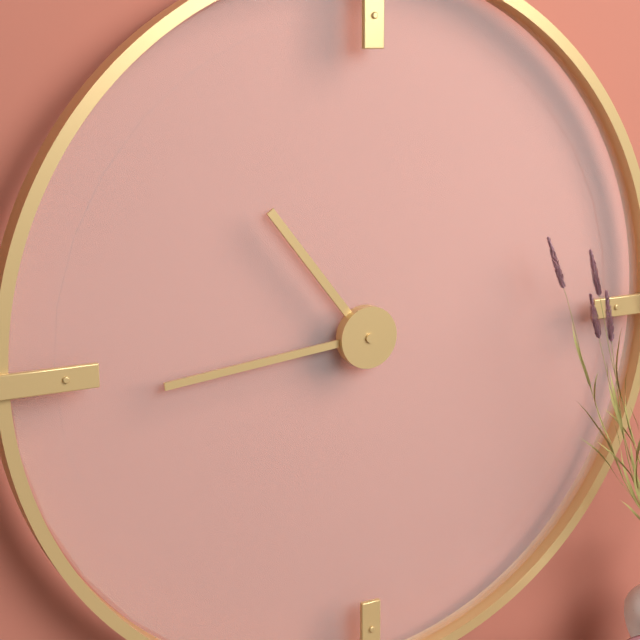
10.44
